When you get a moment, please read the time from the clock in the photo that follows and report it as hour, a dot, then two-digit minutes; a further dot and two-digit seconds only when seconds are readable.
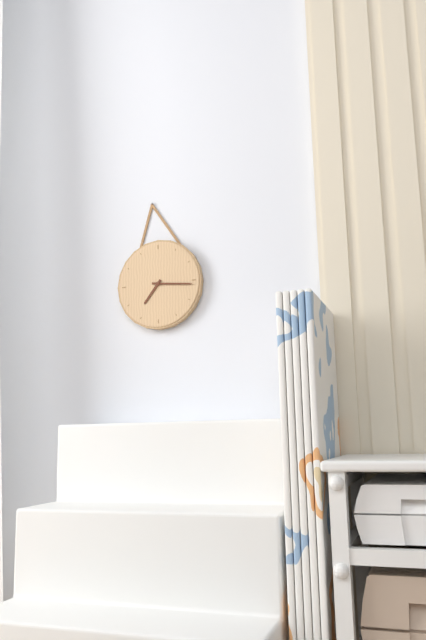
7.16
